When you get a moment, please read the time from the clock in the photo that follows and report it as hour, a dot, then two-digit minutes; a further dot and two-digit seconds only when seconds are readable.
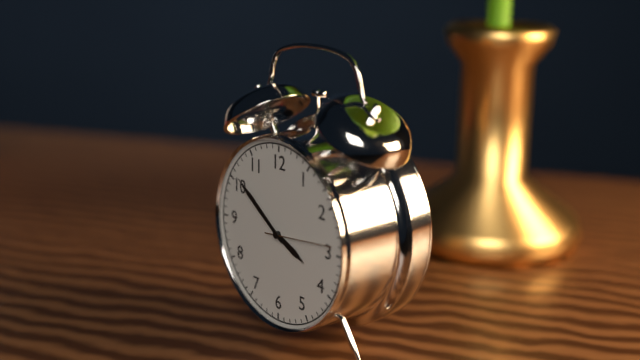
3.51.14
